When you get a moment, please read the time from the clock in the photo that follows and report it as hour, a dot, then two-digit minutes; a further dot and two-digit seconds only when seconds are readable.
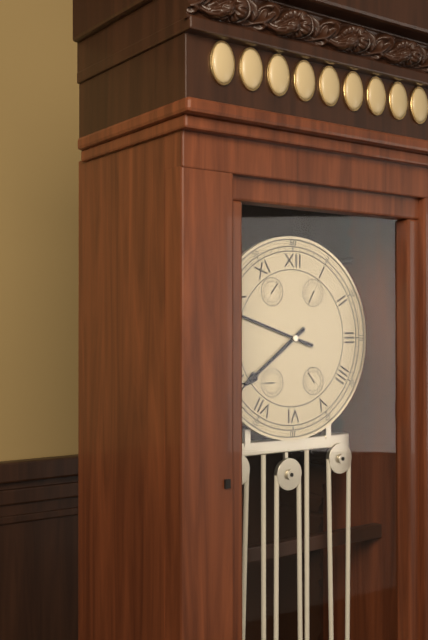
7.48
